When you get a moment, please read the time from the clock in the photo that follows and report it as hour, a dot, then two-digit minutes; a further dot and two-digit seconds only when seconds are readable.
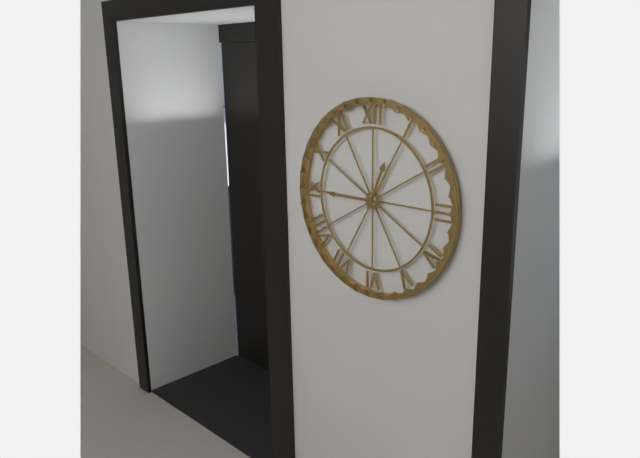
12.45
